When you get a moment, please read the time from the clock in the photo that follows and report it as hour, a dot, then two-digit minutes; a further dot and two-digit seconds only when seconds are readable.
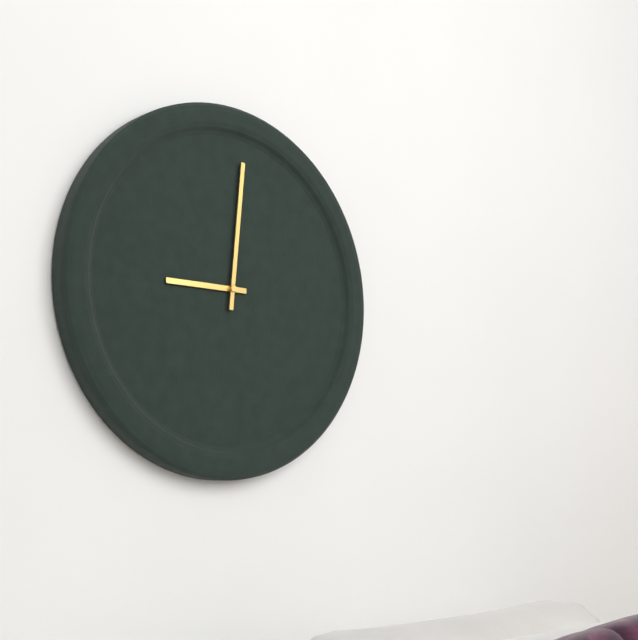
9.01
